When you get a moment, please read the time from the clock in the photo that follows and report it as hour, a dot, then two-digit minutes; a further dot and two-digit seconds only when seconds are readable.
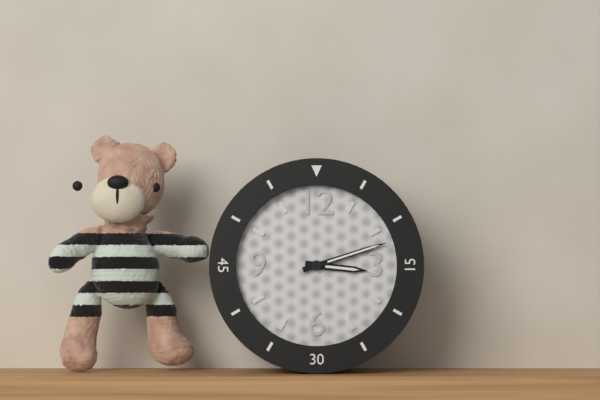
3.12
